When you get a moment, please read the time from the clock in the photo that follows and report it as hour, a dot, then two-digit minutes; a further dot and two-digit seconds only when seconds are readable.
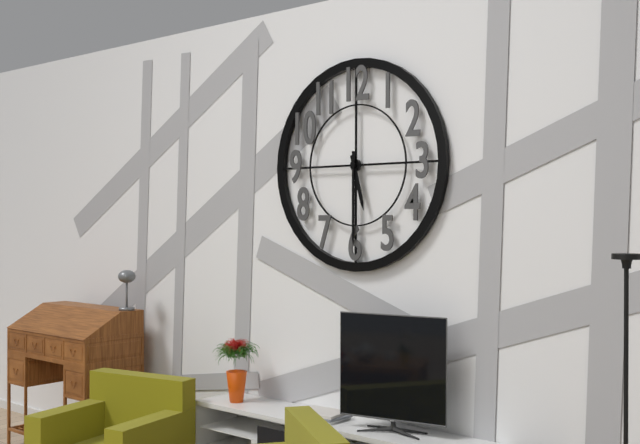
5.30
